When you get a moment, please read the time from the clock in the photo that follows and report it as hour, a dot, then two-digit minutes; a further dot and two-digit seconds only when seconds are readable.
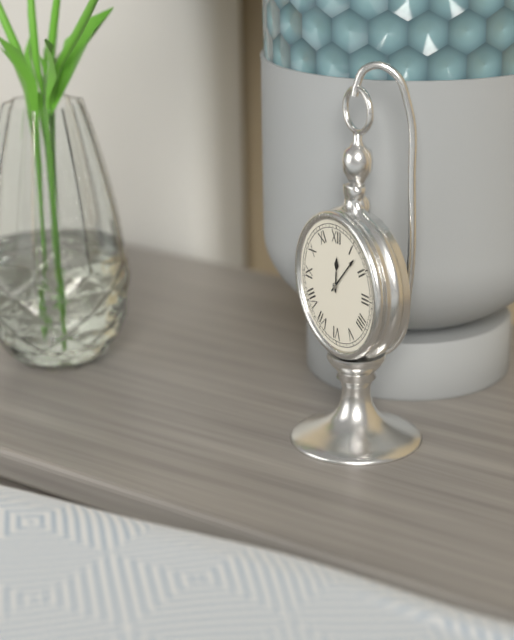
12.07
